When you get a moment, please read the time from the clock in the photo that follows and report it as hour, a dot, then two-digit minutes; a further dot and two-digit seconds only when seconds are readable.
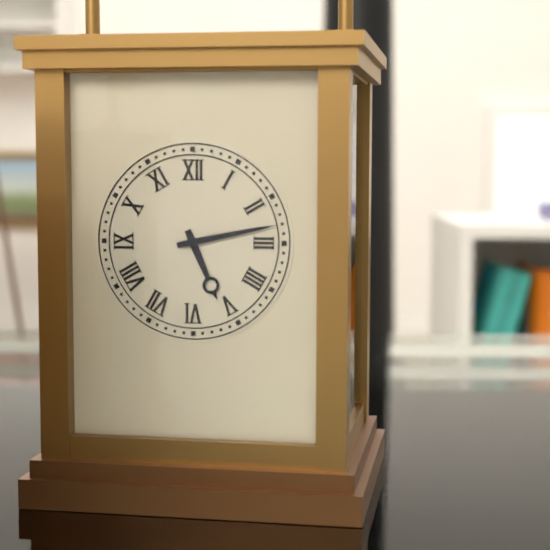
5.13
